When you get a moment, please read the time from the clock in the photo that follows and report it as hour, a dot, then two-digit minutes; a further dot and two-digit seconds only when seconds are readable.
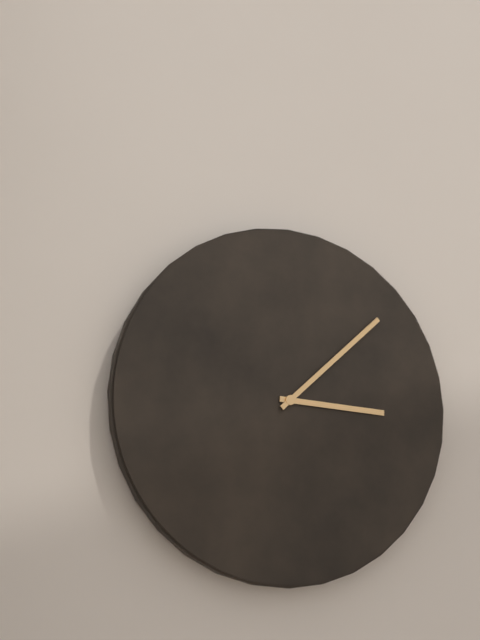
3.08
